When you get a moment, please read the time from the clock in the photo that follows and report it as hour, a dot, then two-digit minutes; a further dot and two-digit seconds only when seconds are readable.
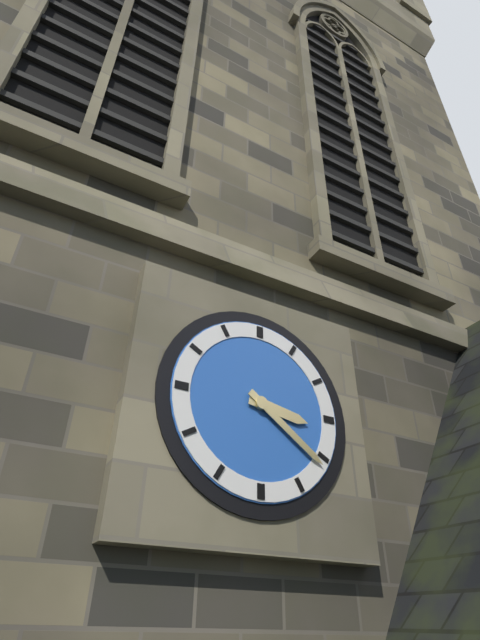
3.21
